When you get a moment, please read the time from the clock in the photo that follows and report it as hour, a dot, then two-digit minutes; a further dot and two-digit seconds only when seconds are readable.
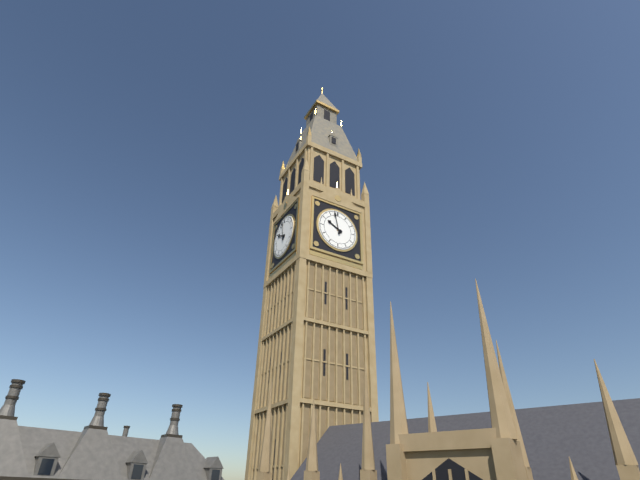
9.58
